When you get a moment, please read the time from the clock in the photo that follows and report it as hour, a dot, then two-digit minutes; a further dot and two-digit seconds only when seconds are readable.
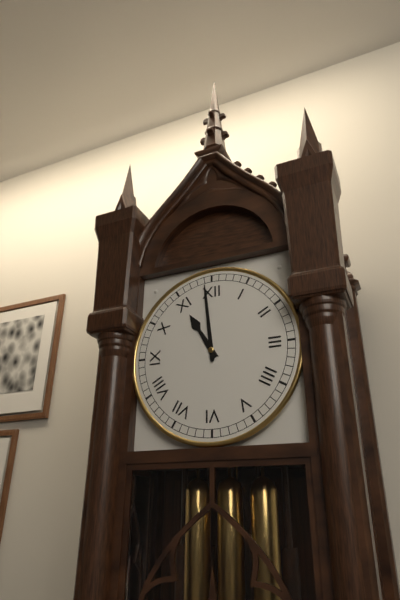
10.59
